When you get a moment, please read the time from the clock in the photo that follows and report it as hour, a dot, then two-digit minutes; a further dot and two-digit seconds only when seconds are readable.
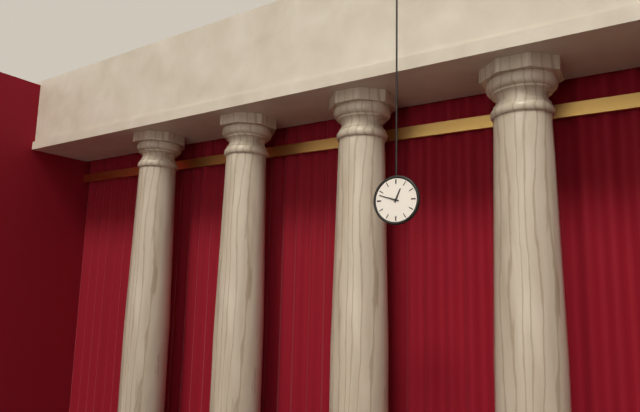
12.48
